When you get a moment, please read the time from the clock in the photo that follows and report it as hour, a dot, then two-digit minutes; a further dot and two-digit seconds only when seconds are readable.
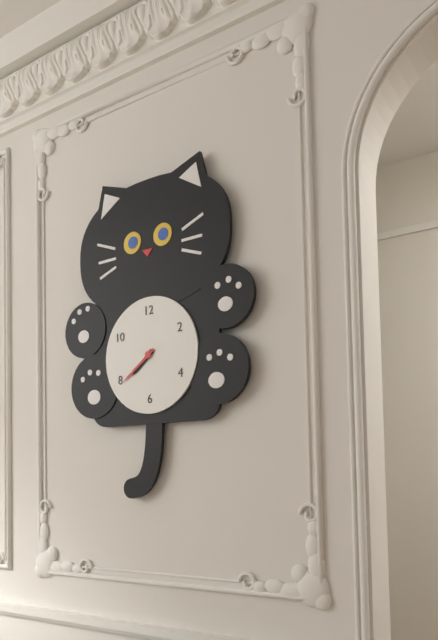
7.39
